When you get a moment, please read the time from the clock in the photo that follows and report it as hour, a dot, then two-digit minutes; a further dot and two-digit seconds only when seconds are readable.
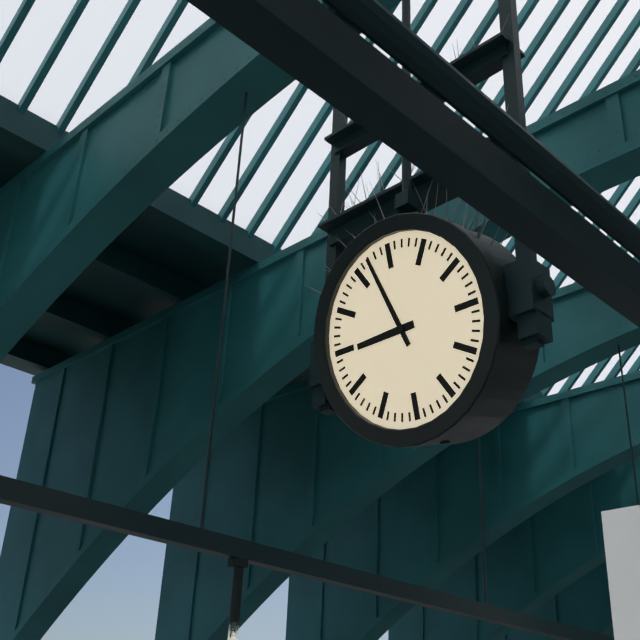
8.57
